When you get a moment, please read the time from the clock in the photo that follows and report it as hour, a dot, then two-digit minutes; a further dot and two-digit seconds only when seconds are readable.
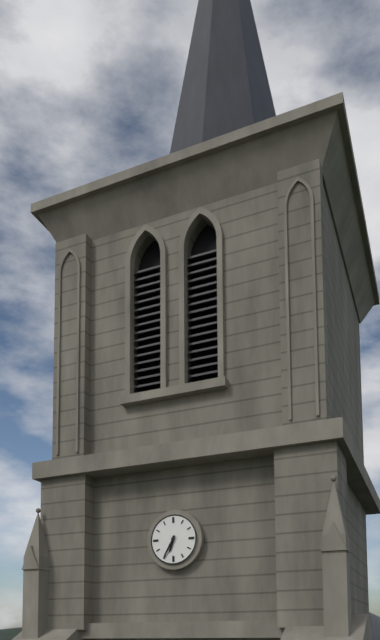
6.35
